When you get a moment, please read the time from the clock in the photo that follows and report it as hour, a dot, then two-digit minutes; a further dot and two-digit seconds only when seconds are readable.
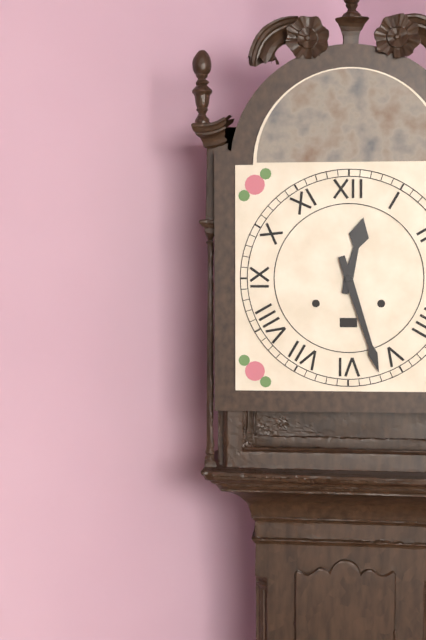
12.27
